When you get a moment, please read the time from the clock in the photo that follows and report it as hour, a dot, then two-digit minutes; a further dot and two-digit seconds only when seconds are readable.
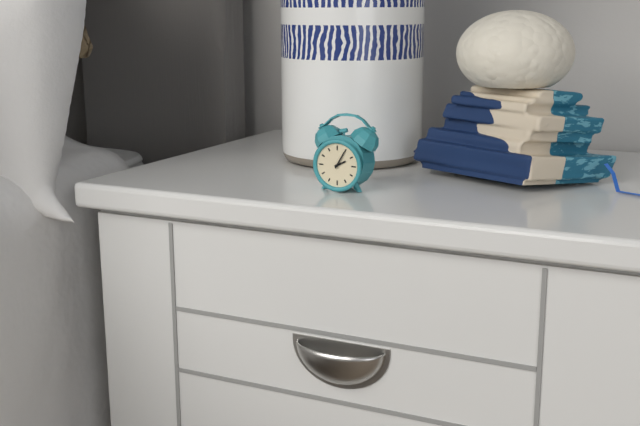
2.05
